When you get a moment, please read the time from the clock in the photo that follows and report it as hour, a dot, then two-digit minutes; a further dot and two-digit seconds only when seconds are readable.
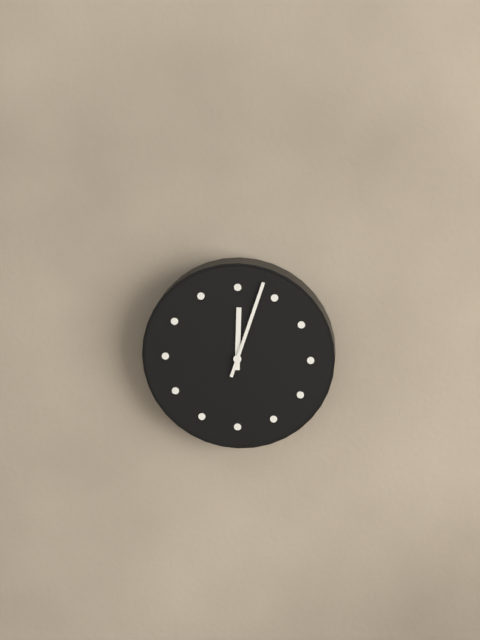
12.03
